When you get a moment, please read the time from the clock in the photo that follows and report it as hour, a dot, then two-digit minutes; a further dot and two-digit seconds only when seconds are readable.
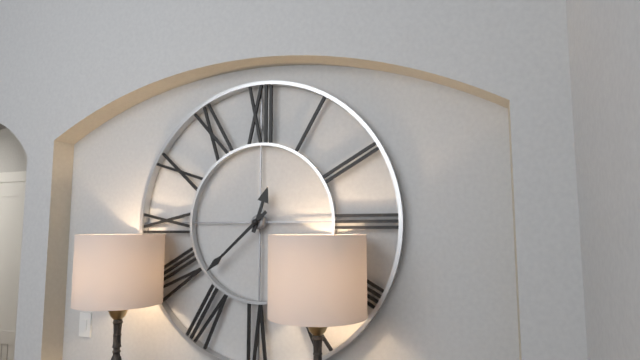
12.38
